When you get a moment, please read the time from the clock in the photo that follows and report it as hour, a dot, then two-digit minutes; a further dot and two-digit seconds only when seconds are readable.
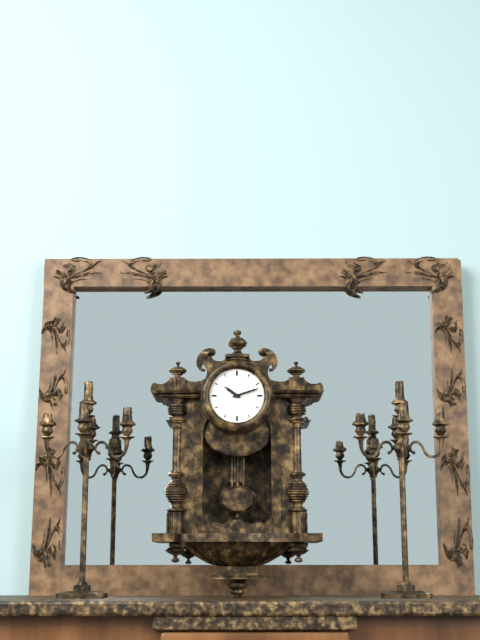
10.12
